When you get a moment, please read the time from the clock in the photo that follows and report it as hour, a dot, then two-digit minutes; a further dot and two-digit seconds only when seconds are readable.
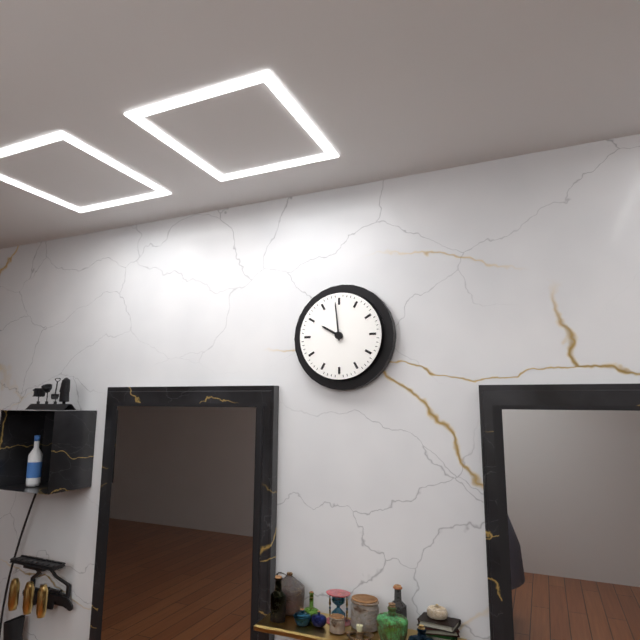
9.59
